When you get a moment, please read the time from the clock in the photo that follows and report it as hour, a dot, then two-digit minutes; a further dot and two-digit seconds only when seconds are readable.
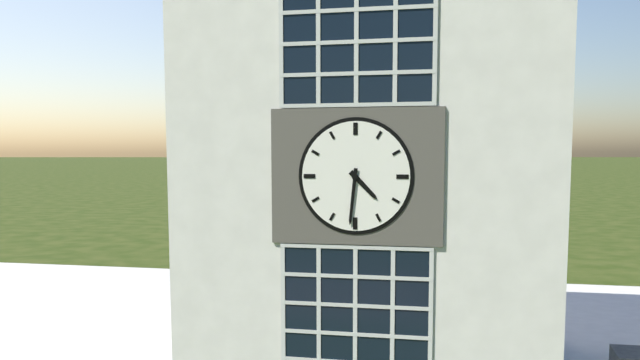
4.31
